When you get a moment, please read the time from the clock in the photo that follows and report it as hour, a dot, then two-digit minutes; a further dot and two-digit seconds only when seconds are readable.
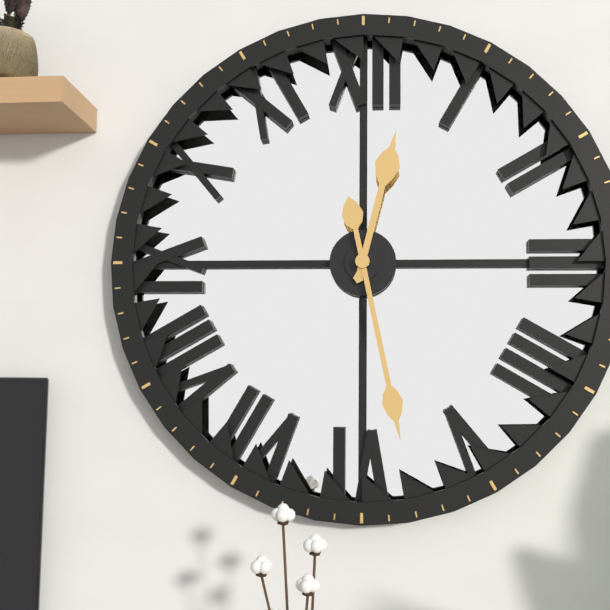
12.28
